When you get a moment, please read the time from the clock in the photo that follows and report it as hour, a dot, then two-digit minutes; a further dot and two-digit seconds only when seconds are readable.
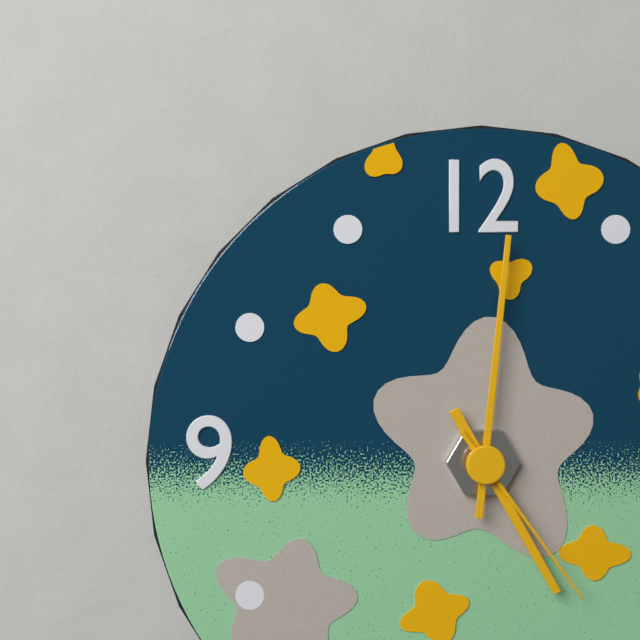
5.01.24
